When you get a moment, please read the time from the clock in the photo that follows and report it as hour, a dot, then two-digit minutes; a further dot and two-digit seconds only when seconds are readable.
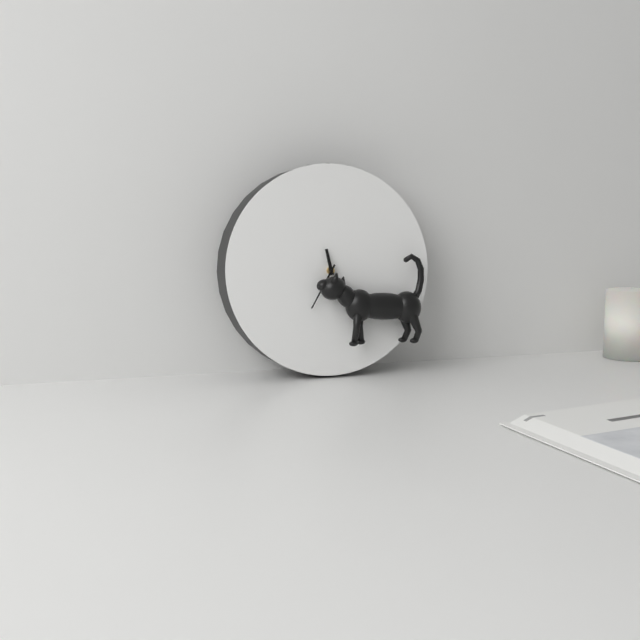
11.35
